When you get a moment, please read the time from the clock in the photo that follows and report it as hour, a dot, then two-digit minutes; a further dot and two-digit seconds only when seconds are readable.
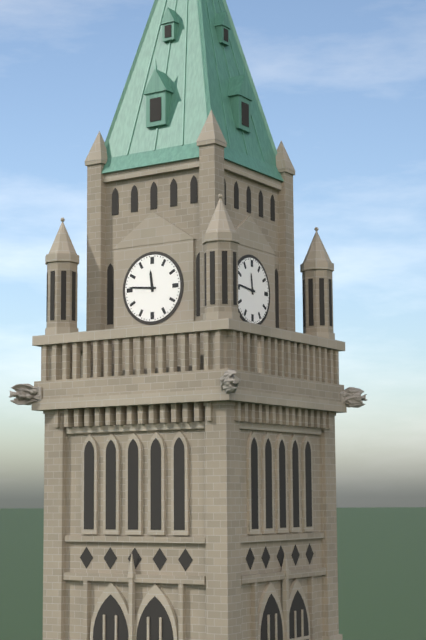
11.46
